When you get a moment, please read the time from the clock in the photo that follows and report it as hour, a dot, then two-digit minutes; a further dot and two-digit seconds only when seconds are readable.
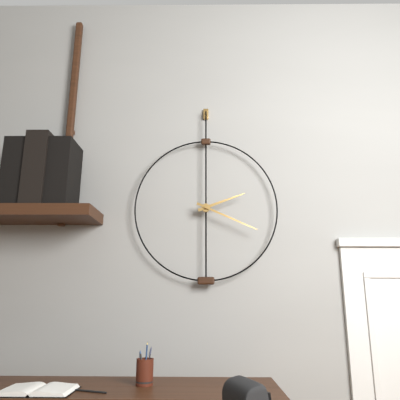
2.19
